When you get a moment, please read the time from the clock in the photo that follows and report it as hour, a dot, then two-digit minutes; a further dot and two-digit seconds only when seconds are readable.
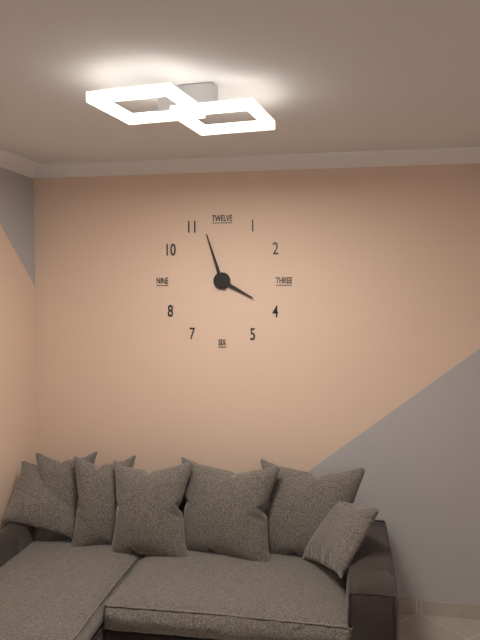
3.57
